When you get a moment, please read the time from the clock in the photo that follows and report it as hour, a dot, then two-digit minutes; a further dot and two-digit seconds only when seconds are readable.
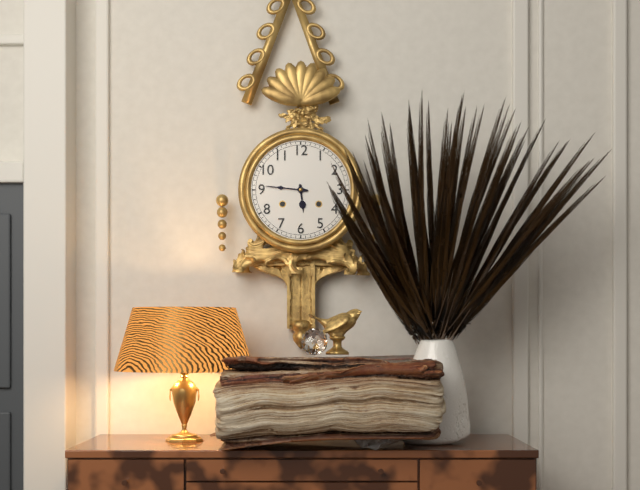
5.46
